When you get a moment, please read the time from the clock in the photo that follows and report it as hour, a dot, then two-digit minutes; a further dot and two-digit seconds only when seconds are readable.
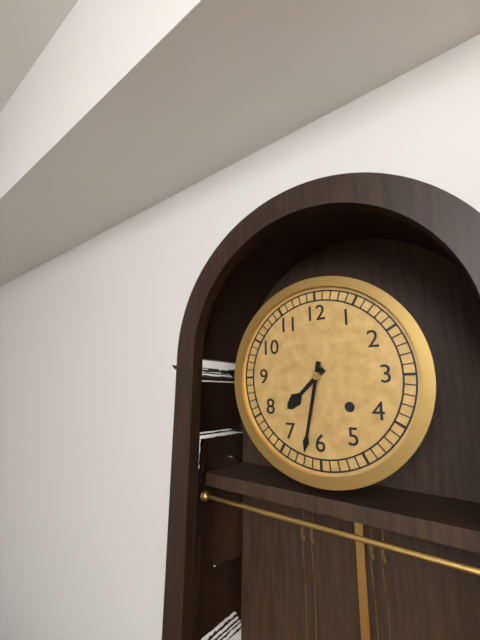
7.32
